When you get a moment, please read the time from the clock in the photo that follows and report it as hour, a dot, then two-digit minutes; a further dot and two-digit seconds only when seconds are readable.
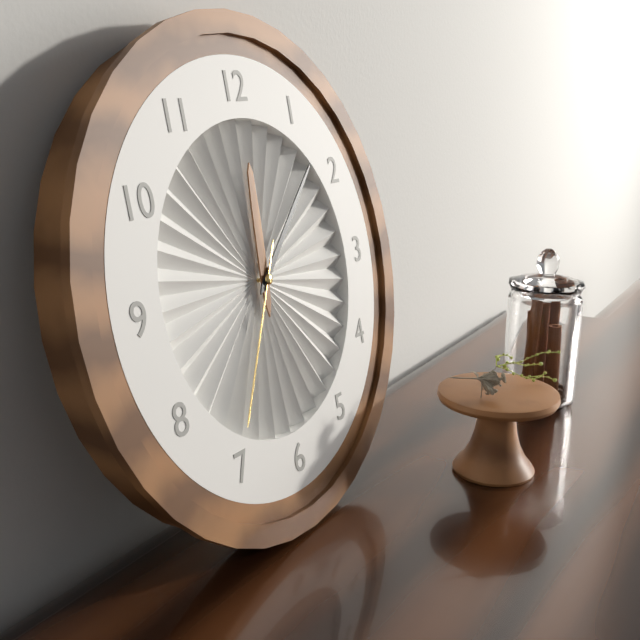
12.08.35
